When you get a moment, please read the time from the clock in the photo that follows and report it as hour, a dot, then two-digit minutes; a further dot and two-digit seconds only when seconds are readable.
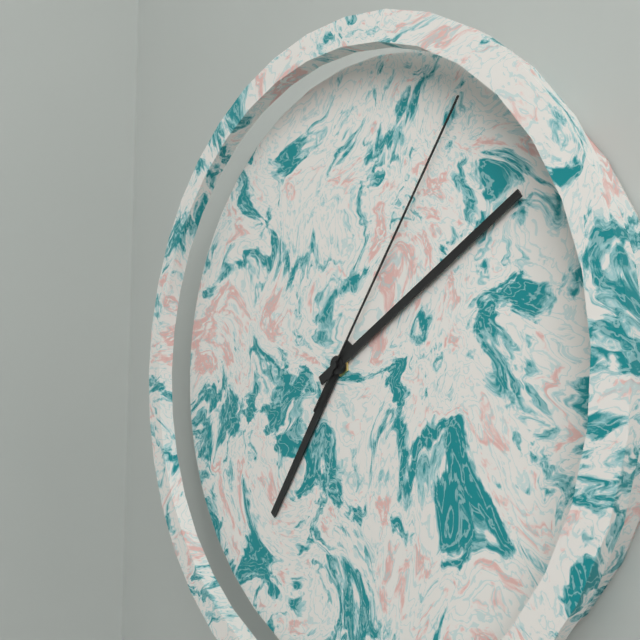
7.10.06
